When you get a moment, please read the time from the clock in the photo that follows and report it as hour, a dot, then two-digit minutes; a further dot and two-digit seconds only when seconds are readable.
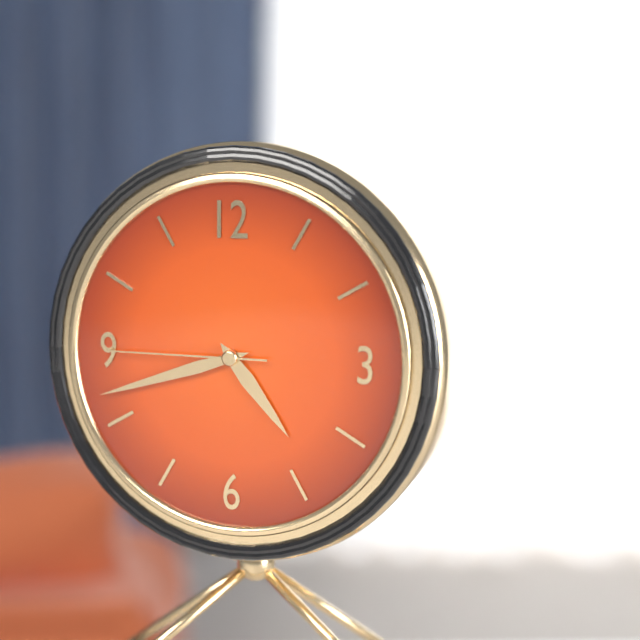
4.42.45
